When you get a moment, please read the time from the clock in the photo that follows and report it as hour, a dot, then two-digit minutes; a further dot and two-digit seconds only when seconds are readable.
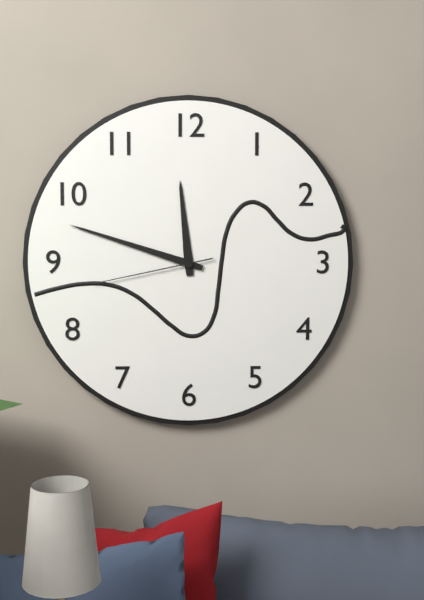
11.48.43
